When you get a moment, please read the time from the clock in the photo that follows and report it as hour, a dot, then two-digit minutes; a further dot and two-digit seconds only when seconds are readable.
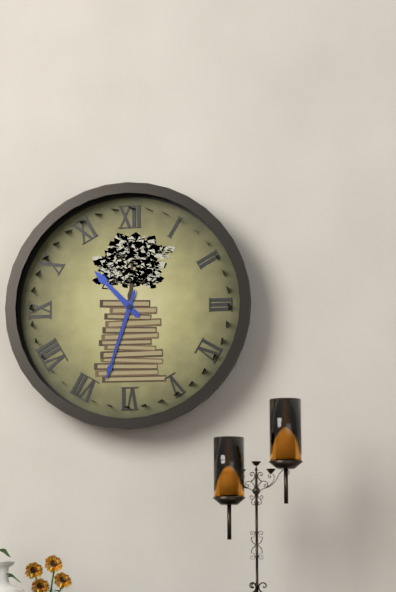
10.33
